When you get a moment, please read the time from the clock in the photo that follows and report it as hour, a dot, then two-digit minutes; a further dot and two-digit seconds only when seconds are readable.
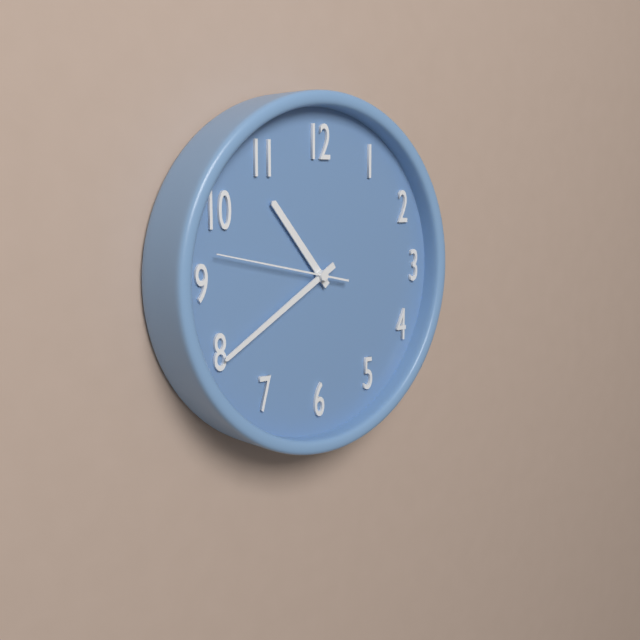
10.40.47
